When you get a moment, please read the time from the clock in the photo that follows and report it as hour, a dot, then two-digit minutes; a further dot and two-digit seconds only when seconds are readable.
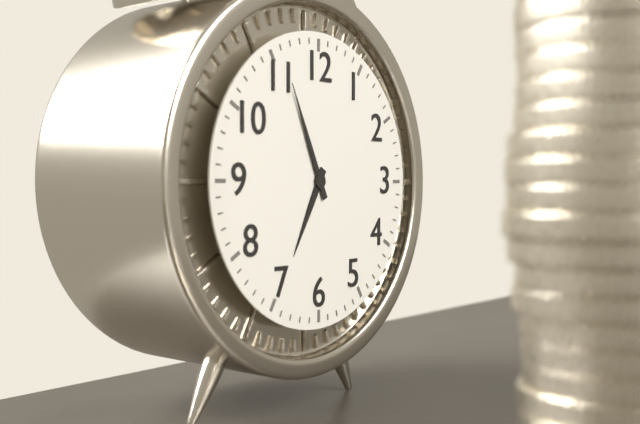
6.56
